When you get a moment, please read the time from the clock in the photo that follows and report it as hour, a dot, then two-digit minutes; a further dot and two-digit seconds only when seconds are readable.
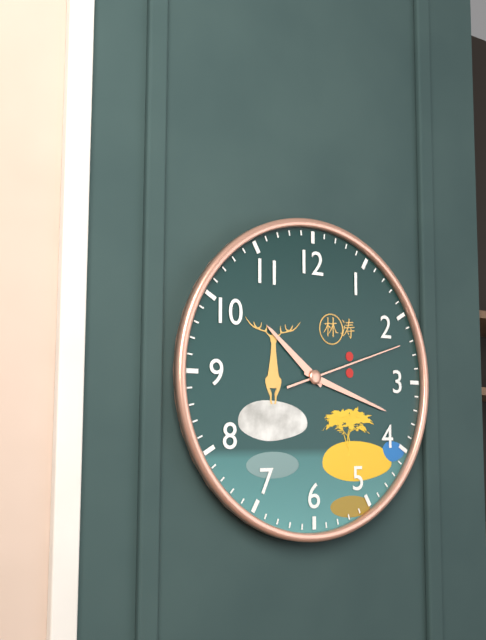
10.18.12
